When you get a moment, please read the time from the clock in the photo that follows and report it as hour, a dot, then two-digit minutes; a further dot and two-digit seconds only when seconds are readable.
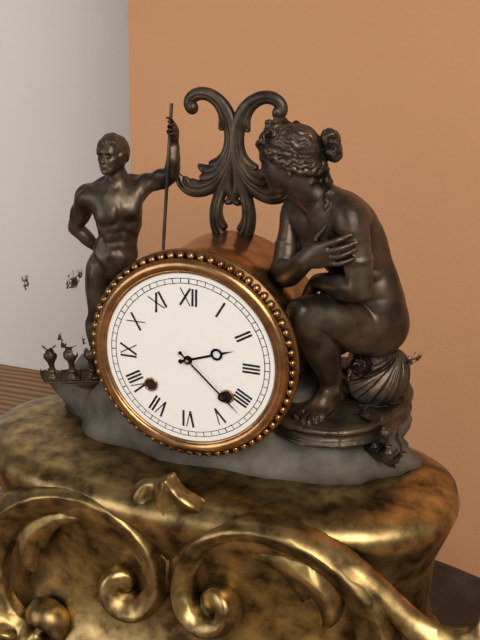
2.22
